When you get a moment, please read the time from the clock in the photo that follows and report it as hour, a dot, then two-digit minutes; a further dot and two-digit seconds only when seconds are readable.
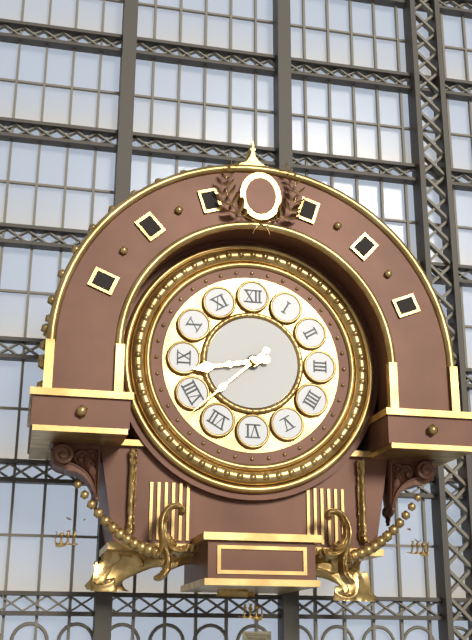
8.38
